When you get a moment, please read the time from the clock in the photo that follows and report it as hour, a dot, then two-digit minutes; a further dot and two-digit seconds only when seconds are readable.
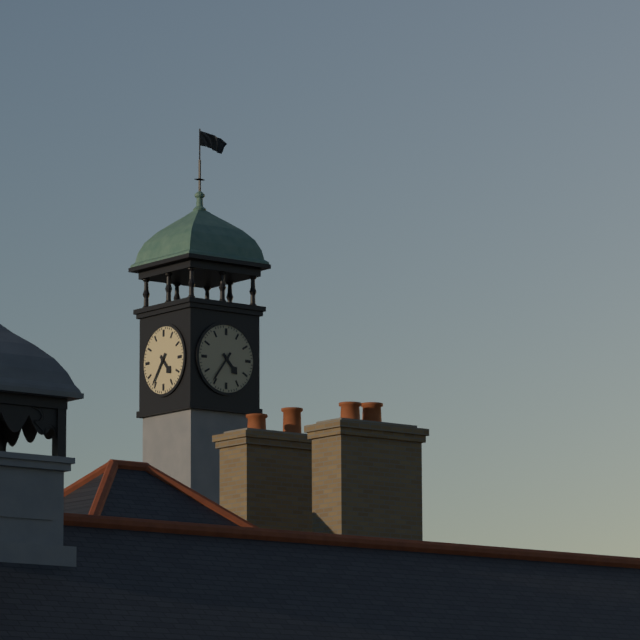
4.36
